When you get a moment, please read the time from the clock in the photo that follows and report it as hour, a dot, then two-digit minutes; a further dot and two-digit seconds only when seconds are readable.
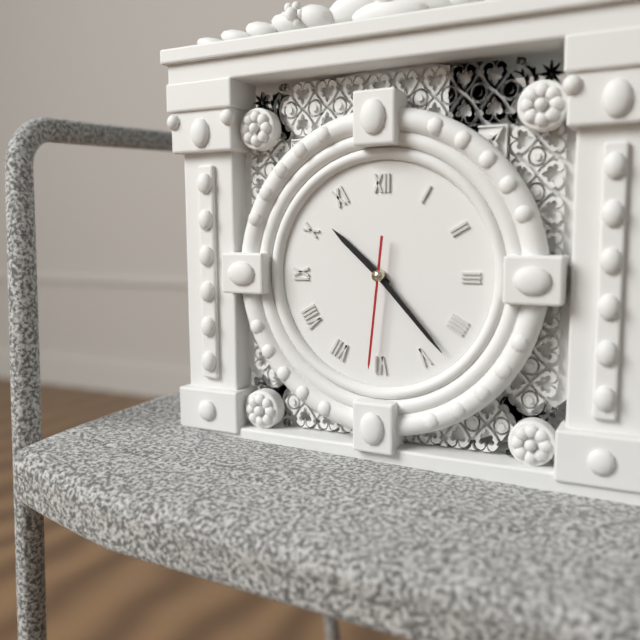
10.23.31
